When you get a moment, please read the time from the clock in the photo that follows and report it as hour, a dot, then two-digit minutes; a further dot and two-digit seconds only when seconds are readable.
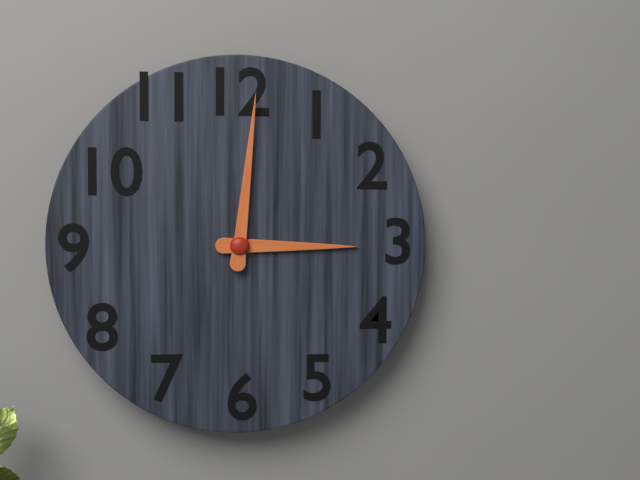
3.01
